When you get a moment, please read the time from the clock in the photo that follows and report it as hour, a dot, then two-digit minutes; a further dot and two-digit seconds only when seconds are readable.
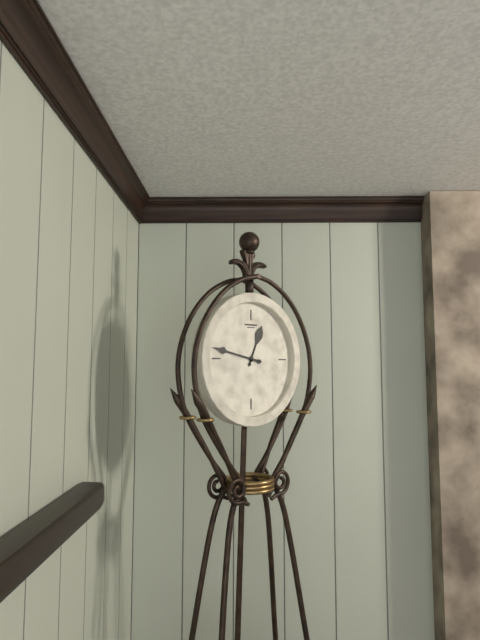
12.47
